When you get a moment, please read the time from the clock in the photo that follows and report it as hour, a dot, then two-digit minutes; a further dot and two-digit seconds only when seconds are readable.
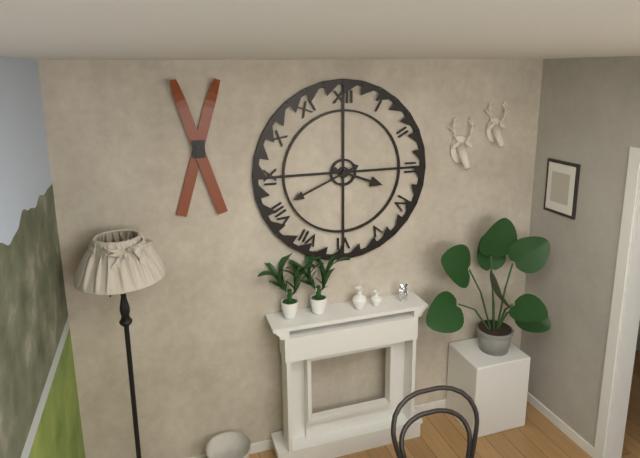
3.41
